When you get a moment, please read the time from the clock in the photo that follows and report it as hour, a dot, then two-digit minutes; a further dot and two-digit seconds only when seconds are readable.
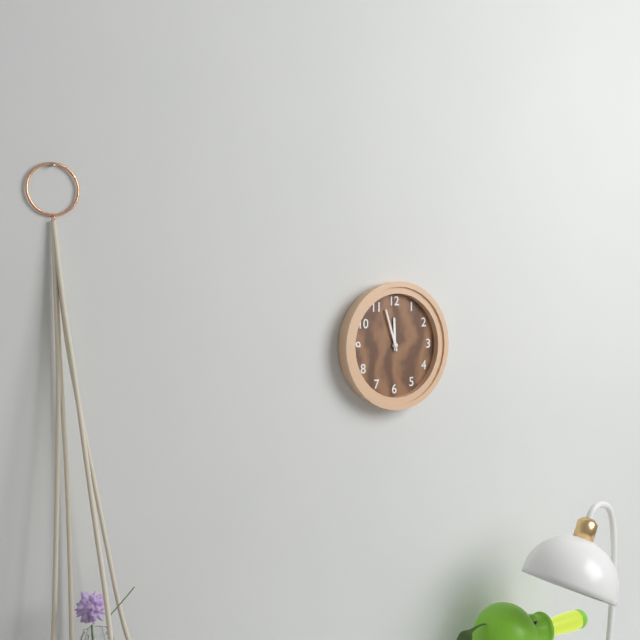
11.57
